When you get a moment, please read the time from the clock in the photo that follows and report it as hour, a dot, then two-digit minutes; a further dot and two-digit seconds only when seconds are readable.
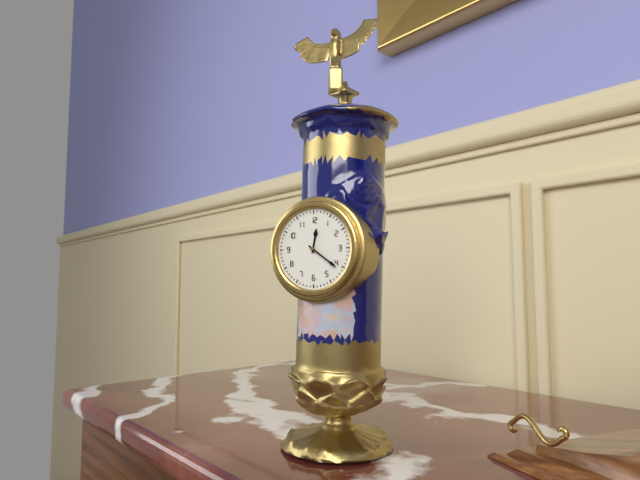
12.21
